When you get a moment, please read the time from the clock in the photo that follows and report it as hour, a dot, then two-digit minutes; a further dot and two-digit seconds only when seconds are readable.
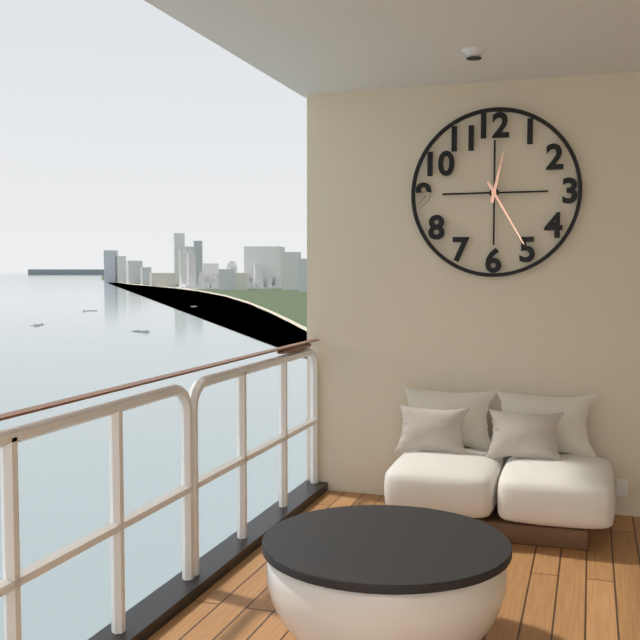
12.25
